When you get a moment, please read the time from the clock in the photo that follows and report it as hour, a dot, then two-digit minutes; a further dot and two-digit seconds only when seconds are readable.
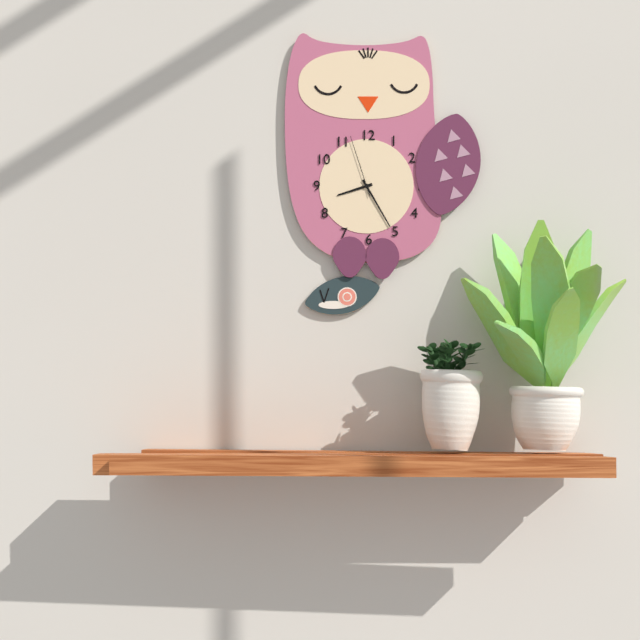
8.25.57
